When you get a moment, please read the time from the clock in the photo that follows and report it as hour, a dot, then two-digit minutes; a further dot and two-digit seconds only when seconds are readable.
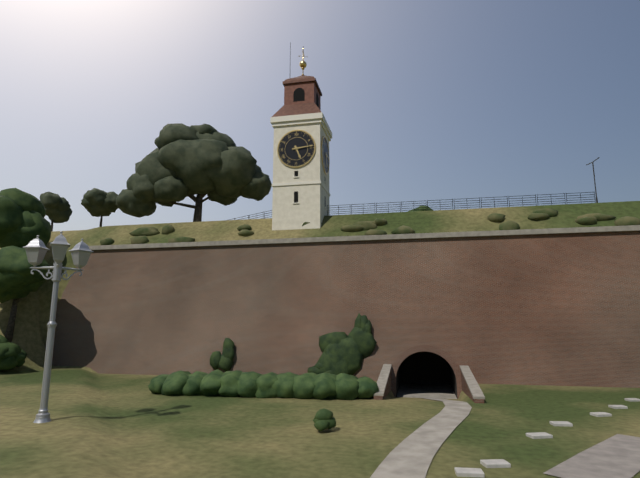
5.14
